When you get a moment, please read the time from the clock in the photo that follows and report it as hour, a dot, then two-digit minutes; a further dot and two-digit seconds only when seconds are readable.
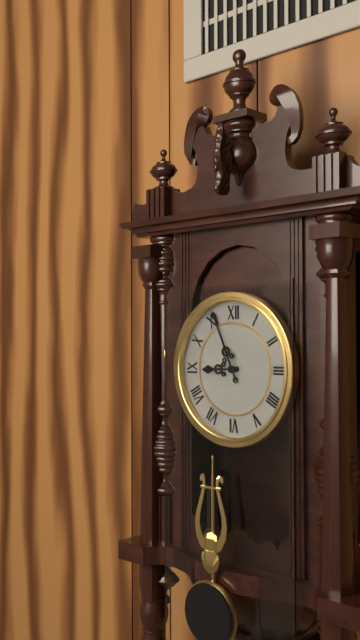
8.56
